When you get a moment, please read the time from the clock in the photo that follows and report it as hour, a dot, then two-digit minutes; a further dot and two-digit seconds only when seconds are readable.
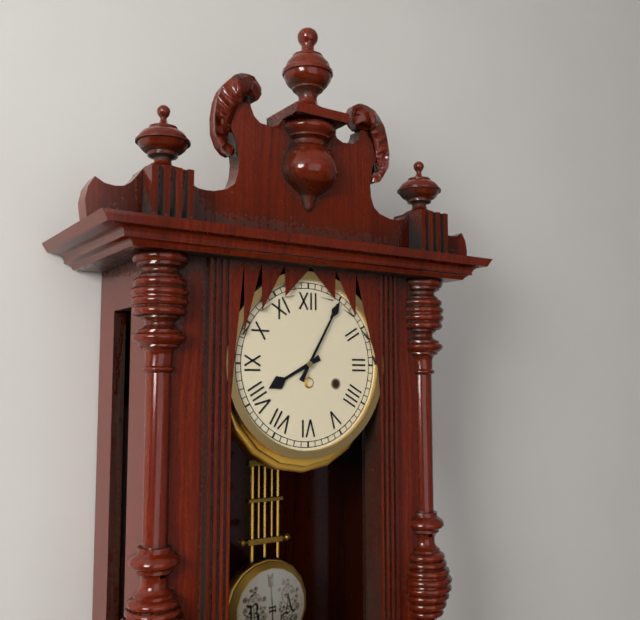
8.05
